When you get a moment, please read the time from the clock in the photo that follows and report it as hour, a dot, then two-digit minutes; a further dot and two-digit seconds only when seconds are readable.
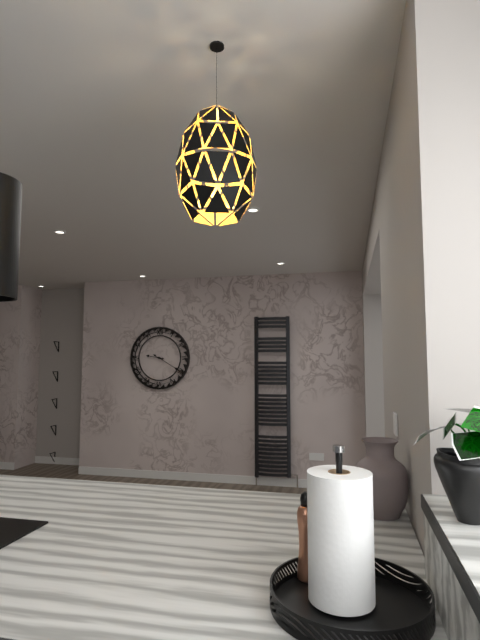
9.20
